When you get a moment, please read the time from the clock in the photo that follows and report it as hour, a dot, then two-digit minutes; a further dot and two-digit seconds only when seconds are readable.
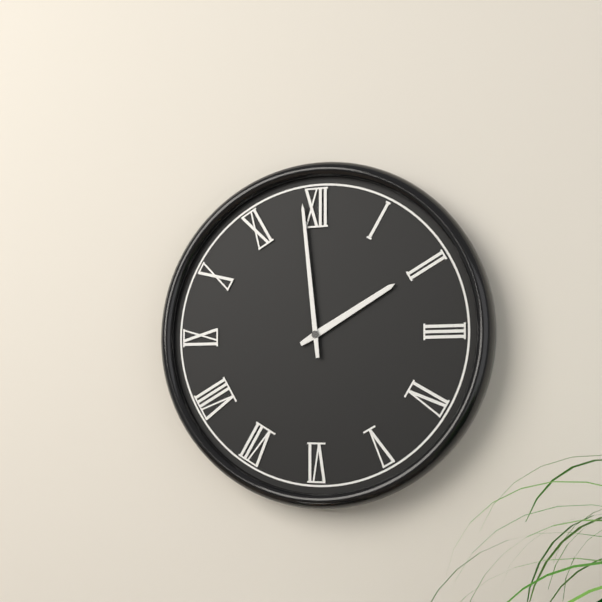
1.59
